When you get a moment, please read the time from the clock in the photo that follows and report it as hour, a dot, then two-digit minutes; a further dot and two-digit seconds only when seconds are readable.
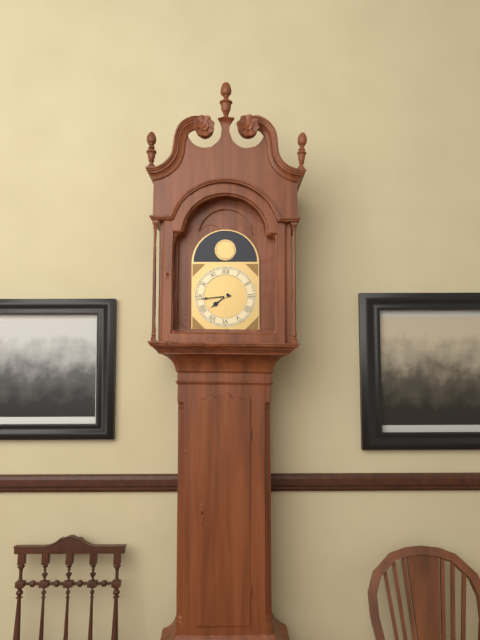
7.44
